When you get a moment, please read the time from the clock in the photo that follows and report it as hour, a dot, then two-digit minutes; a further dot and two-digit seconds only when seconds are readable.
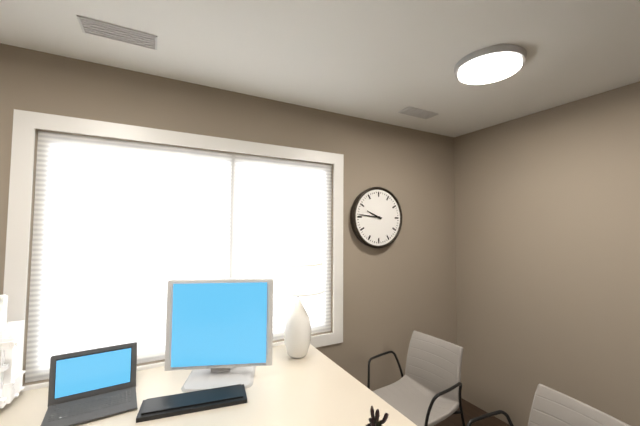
9.46
